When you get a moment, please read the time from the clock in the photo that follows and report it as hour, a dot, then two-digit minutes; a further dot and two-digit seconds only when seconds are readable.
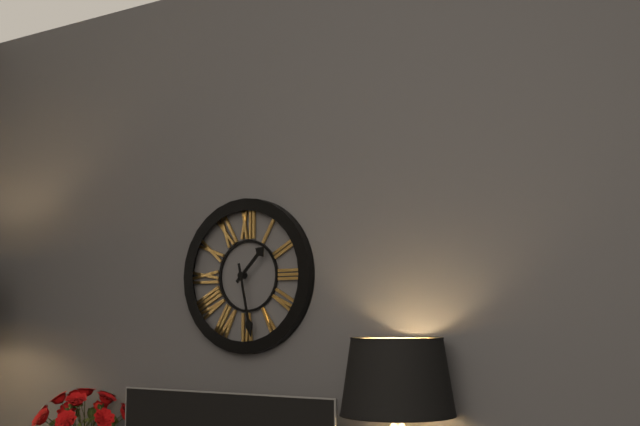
1.28
